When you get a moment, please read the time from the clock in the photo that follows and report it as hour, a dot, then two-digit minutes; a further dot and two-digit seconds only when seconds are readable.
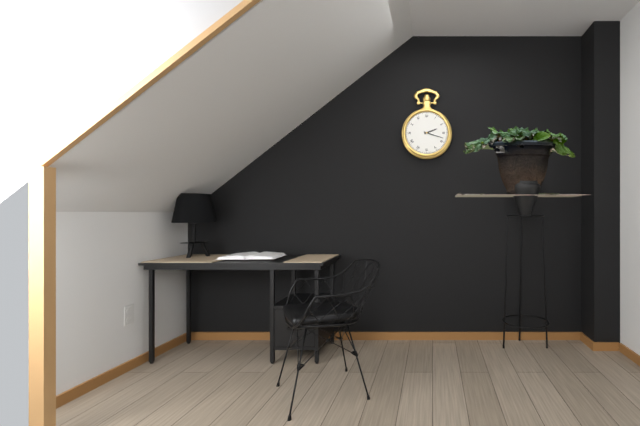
2.18
